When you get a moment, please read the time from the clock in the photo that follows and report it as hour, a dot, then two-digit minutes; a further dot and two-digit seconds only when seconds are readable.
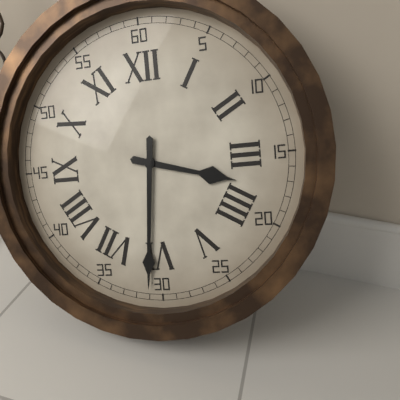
3.31
